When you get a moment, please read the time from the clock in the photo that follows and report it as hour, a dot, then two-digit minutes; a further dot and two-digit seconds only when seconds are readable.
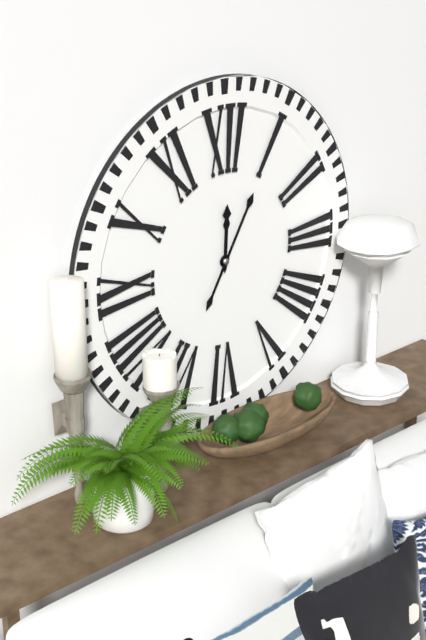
12.05
